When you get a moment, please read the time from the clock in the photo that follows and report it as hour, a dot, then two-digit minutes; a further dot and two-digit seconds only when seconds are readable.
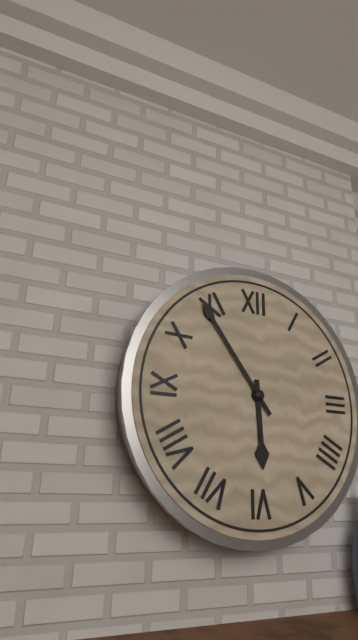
5.54
